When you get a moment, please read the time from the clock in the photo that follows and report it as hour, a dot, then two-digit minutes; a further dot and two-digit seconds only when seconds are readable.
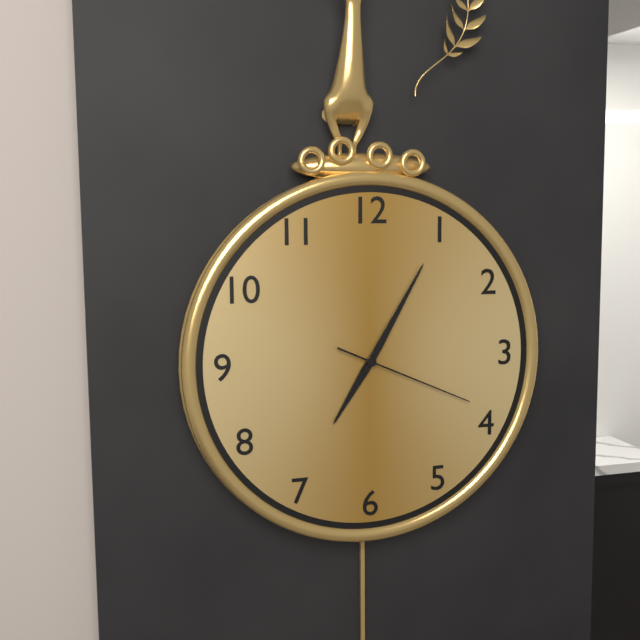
7.05.19
